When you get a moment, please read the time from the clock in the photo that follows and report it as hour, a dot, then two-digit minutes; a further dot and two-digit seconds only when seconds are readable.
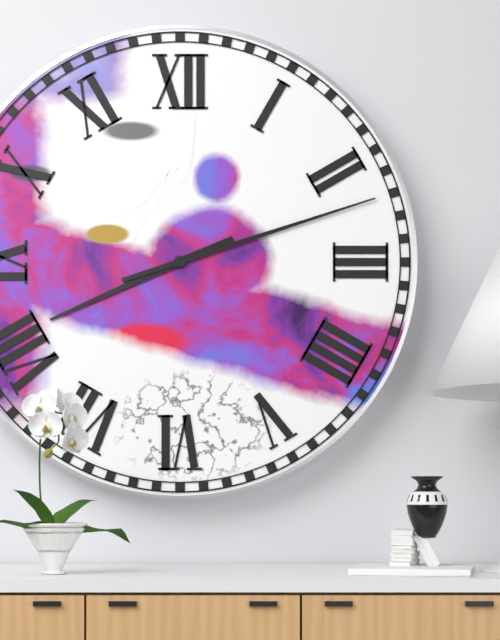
8.12
